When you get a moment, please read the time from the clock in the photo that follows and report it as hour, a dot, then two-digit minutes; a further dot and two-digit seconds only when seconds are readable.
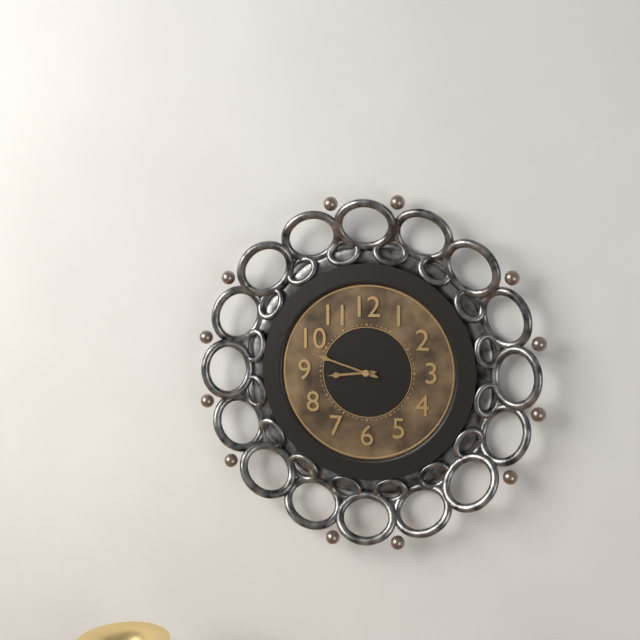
8.48
